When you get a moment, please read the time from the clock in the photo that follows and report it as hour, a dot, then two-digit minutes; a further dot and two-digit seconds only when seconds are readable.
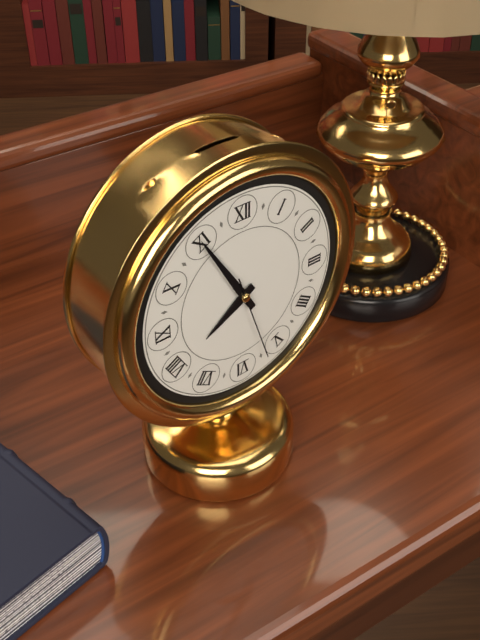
7.55.27
